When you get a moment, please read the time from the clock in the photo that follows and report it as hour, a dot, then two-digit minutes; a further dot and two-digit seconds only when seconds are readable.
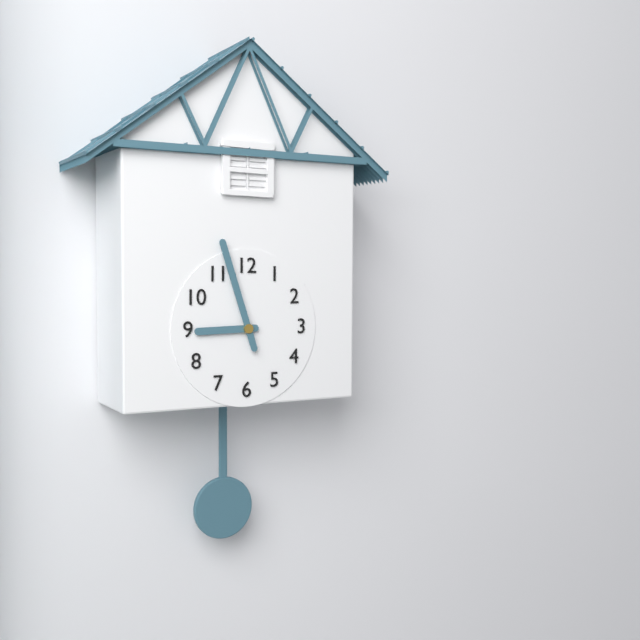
8.57
